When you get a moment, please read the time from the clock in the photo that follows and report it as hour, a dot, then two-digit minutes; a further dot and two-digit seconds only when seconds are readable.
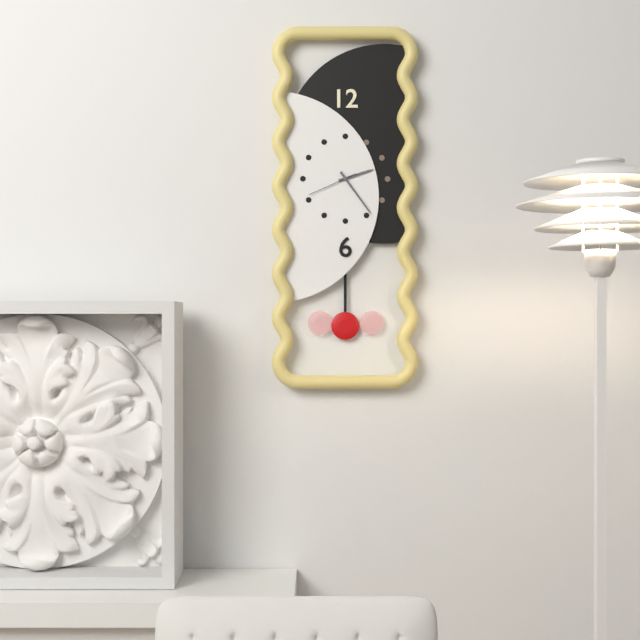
2.24
